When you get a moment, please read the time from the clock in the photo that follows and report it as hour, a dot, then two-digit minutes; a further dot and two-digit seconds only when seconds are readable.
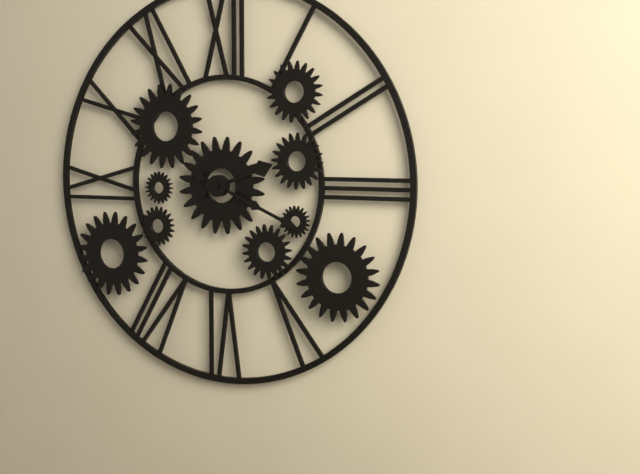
2.19
